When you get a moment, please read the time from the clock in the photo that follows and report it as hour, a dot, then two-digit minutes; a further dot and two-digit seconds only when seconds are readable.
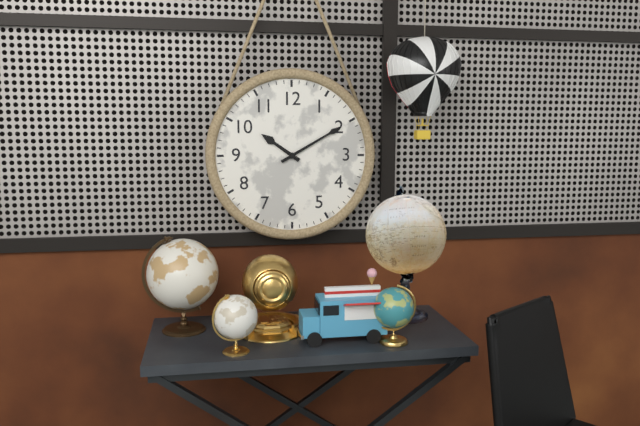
10.10
